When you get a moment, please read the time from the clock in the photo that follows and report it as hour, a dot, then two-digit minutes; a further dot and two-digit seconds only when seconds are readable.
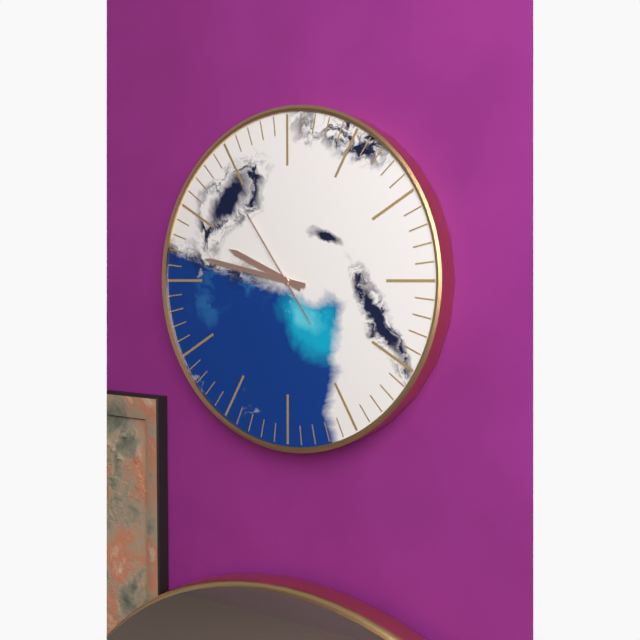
9.47.54
